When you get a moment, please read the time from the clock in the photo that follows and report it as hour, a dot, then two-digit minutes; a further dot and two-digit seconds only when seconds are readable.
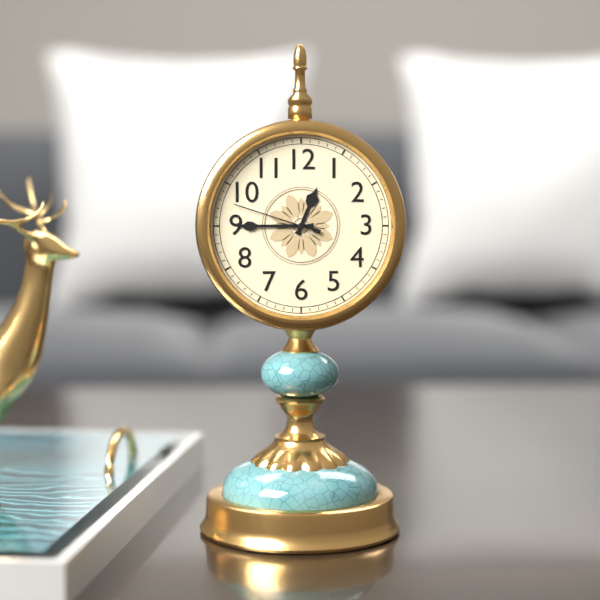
12.45.48
